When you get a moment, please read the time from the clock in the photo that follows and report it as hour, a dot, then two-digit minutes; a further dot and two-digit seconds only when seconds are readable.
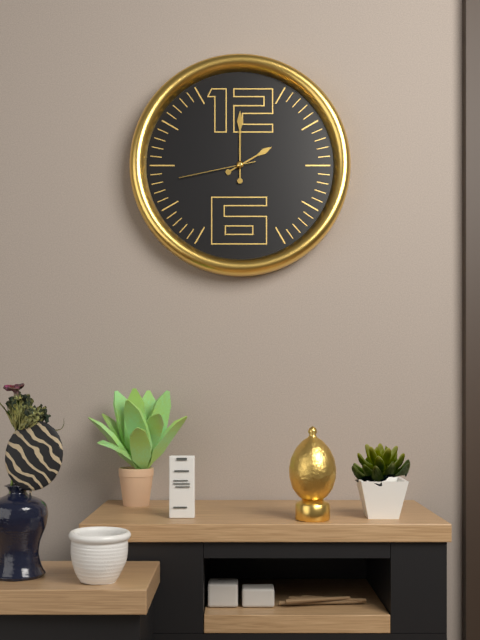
2.00.43
